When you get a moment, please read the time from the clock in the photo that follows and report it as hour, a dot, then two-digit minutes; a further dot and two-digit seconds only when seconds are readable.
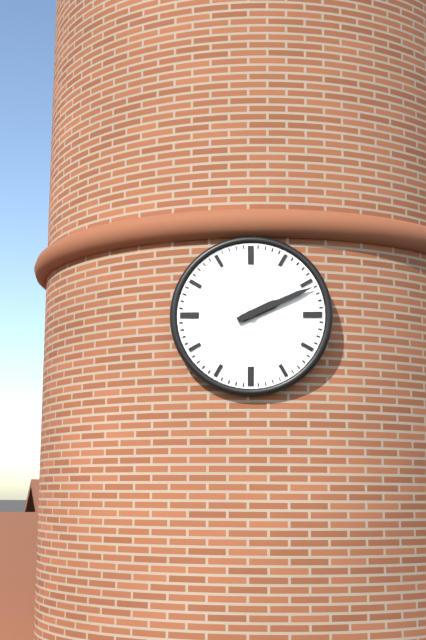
2.11
